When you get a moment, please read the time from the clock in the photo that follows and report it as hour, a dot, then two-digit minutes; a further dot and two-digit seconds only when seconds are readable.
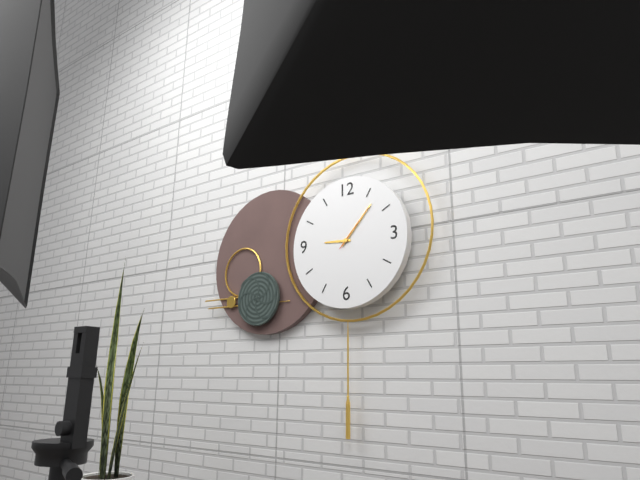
9.07.07
